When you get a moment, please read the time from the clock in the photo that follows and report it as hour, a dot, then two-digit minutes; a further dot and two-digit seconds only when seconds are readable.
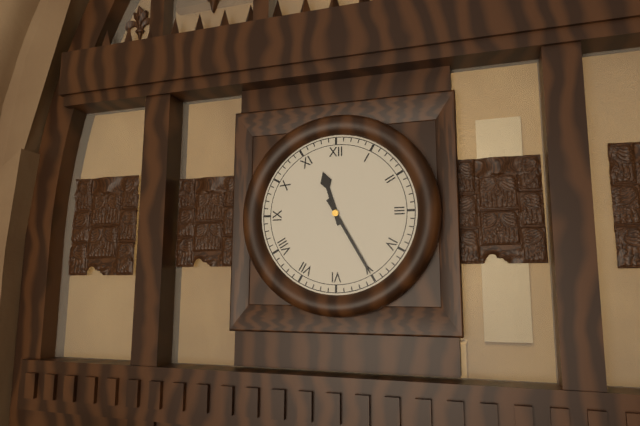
11.25
